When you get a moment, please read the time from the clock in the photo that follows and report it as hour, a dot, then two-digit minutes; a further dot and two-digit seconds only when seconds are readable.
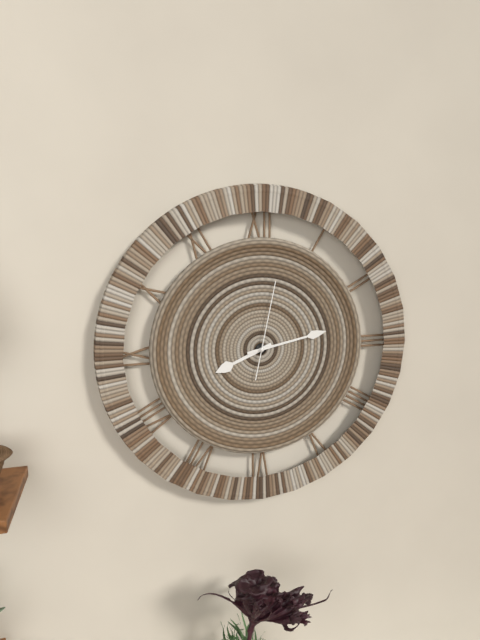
8.13.02
